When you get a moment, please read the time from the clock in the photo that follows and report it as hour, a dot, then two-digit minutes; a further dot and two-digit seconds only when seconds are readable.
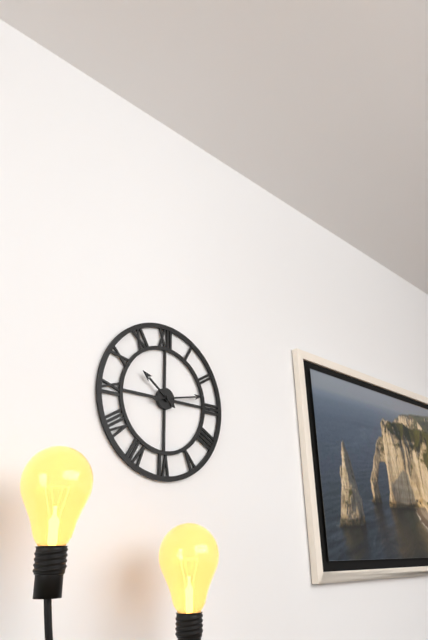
10.13
